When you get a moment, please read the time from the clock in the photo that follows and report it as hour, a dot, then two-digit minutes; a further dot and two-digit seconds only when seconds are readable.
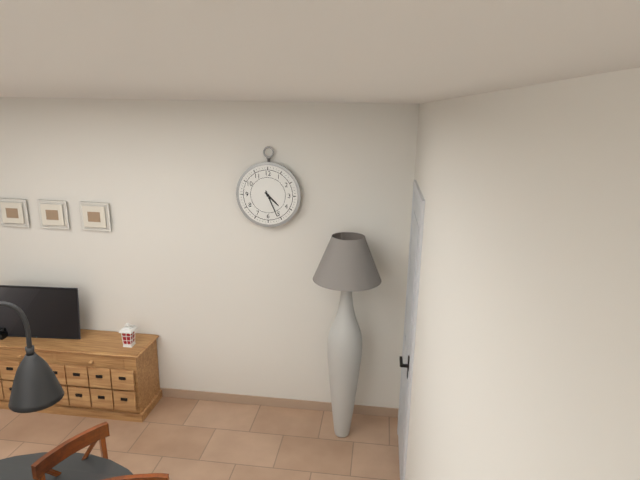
4.26
